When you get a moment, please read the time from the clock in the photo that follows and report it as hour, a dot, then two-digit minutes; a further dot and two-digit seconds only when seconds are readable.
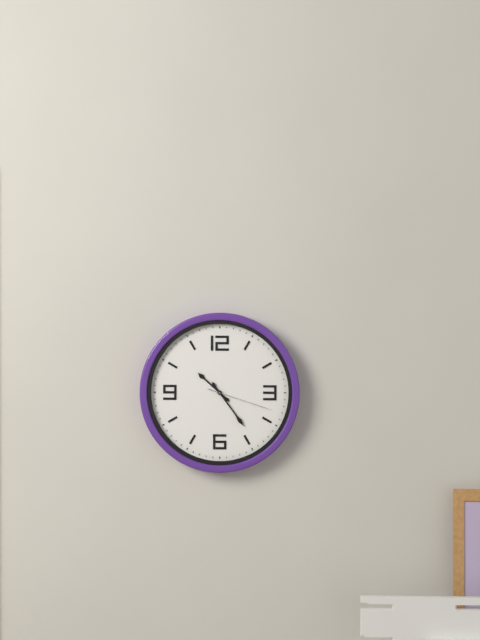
10.24.18
